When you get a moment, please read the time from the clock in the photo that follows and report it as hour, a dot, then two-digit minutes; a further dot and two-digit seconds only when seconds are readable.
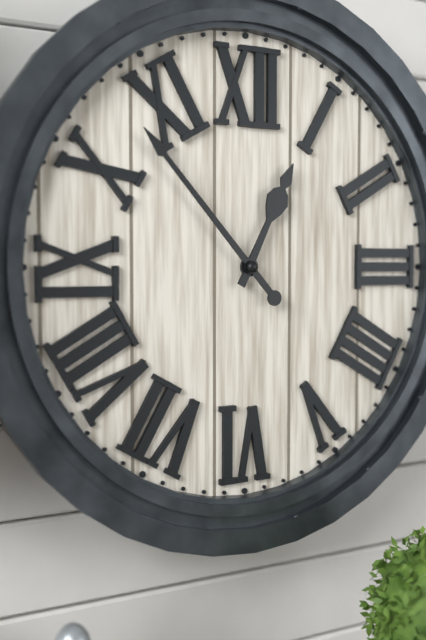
12.53
